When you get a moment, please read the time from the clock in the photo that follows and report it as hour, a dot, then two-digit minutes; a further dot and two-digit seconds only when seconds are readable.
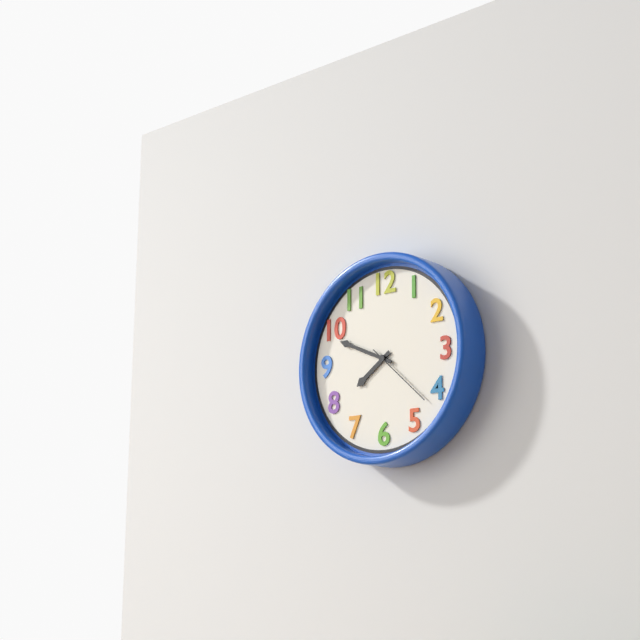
7.49.22
